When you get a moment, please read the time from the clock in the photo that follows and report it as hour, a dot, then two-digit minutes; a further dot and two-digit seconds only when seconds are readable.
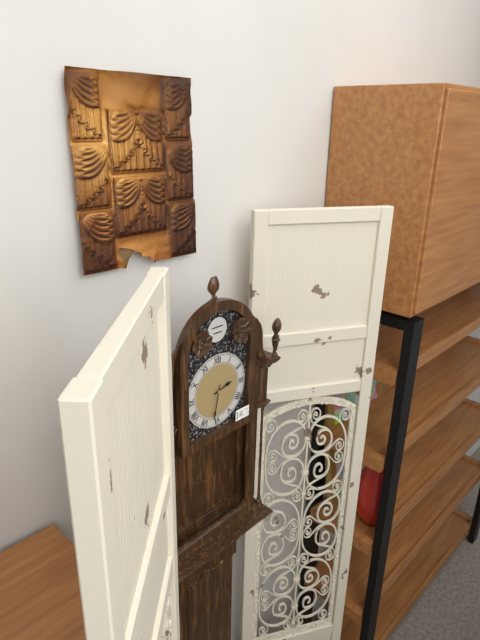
2.32
